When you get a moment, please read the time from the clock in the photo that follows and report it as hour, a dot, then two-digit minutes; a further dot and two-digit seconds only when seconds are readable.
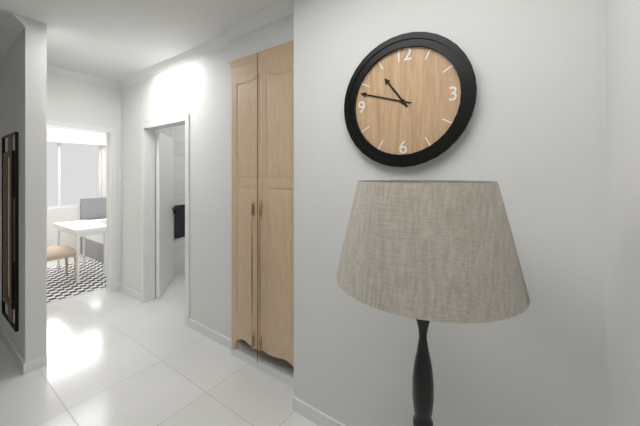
10.48
